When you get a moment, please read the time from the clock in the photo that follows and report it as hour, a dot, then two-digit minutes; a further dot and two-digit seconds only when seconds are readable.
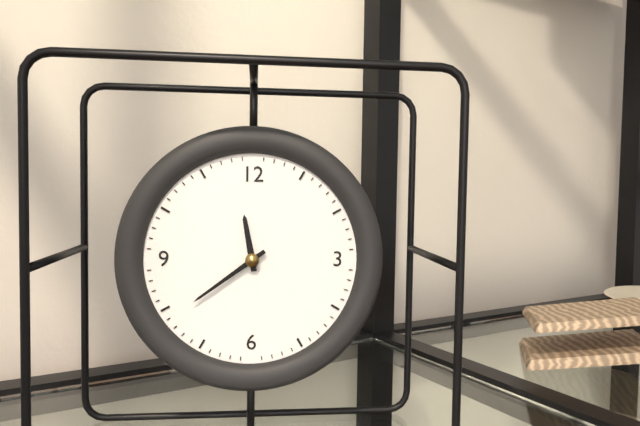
11.39
